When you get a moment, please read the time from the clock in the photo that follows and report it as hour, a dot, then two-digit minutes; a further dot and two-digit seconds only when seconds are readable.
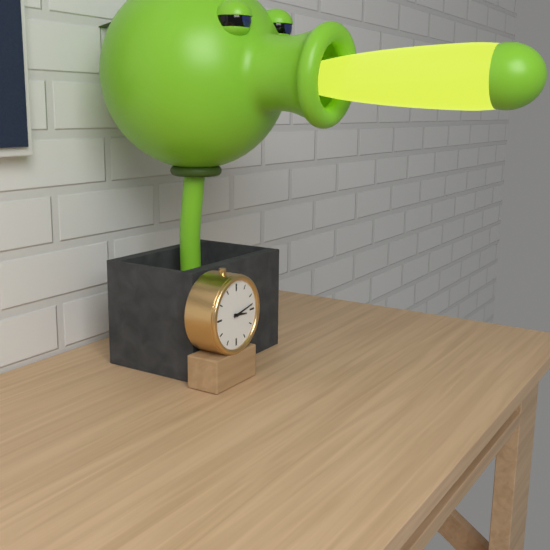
3.13
